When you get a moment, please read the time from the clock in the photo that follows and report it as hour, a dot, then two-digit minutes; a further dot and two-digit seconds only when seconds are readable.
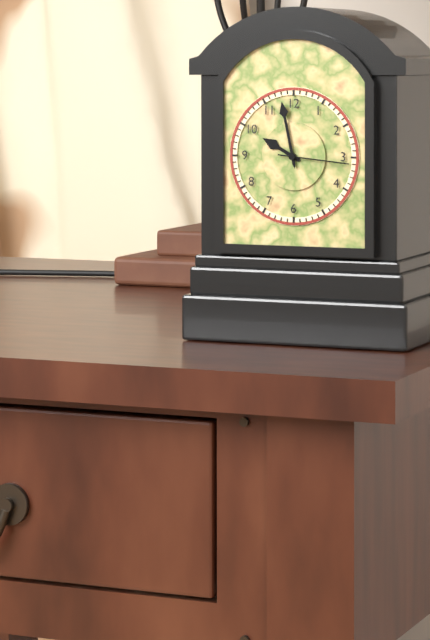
9.58.16
